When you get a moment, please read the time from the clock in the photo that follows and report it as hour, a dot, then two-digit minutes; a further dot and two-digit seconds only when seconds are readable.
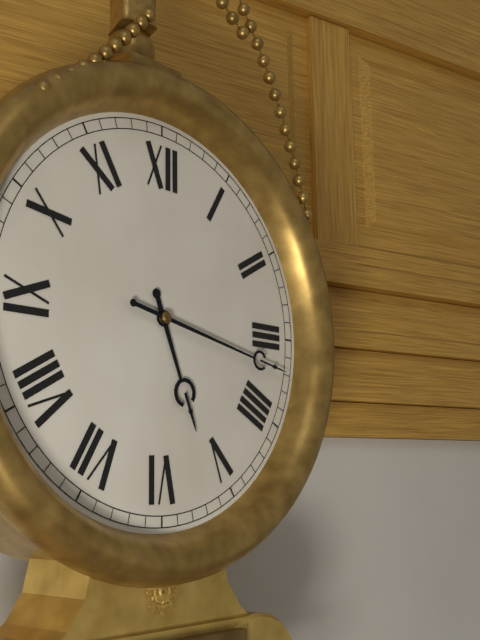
5.17
